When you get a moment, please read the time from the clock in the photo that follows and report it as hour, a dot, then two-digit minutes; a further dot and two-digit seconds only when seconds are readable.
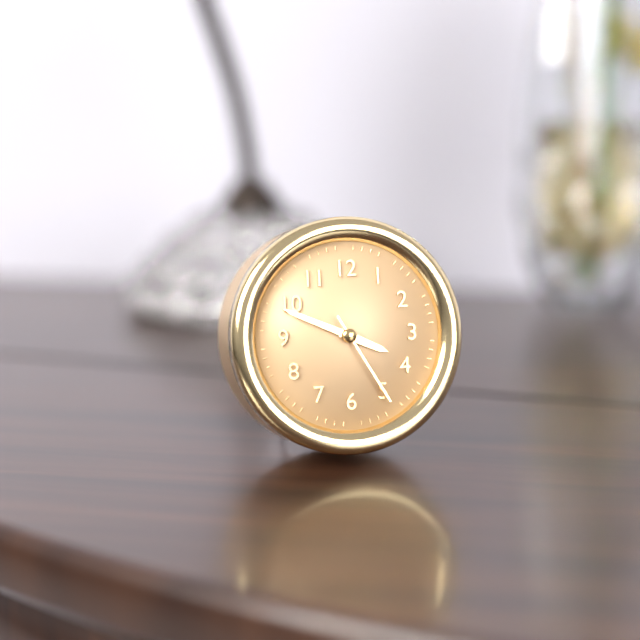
3.49.25
